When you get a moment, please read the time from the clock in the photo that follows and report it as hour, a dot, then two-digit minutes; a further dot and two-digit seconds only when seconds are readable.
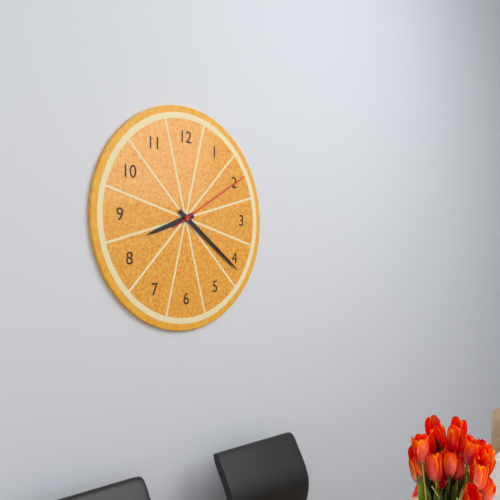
8.21.10
